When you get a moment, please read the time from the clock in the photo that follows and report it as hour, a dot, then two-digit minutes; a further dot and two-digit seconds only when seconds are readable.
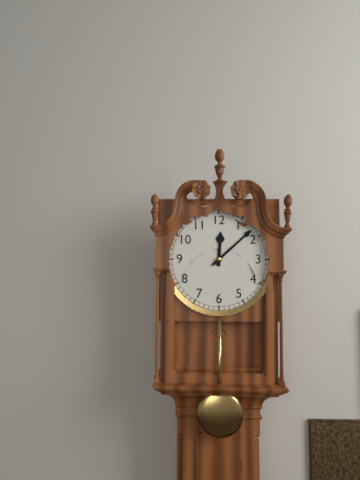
12.08
